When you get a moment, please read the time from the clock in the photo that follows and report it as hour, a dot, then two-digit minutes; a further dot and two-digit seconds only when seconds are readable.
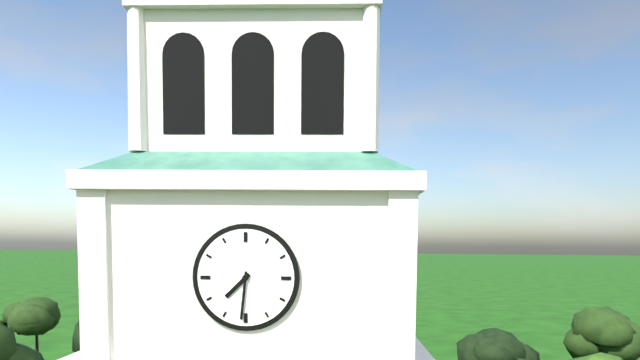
7.31
